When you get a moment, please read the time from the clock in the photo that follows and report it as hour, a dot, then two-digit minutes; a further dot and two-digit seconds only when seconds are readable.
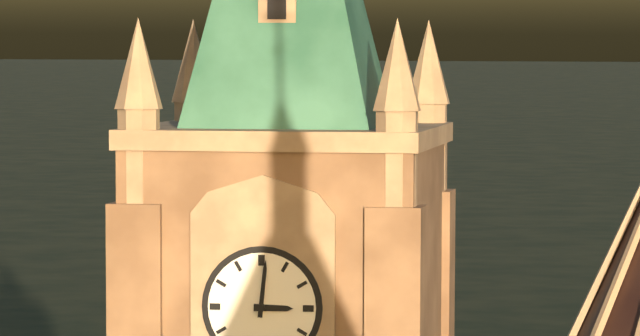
3.01
